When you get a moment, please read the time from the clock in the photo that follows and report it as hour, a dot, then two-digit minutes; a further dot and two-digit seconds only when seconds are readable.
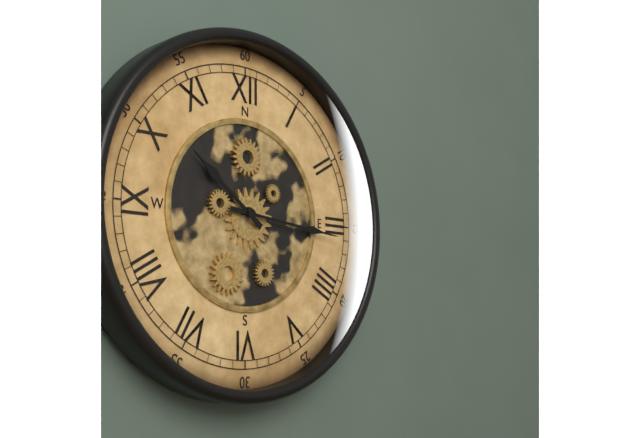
10.16
